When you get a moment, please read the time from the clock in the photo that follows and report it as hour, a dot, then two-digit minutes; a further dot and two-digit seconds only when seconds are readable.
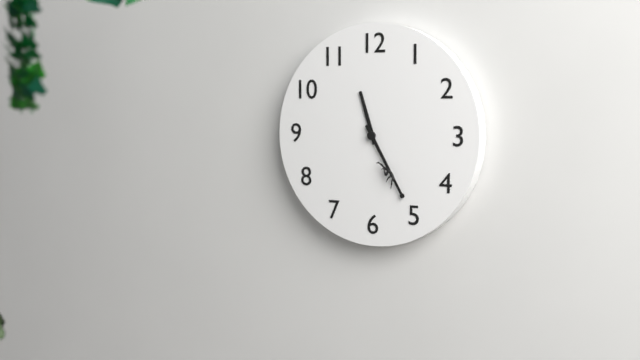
11.25
